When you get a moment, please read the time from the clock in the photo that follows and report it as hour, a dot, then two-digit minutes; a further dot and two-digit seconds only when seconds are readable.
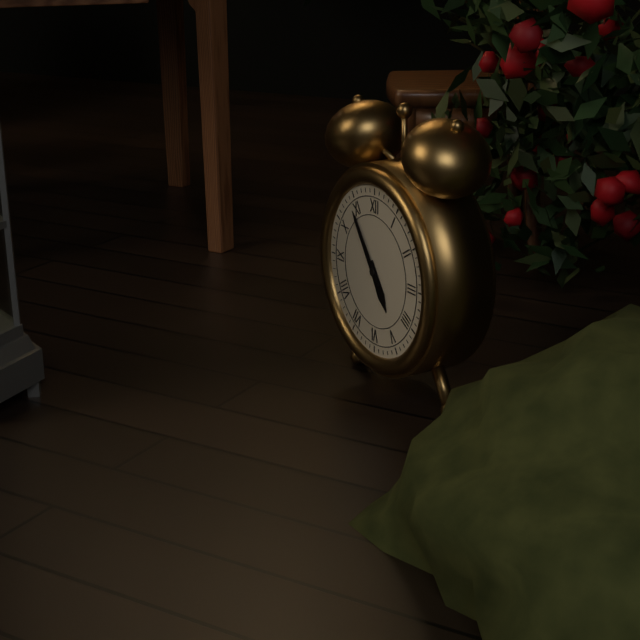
4.54
